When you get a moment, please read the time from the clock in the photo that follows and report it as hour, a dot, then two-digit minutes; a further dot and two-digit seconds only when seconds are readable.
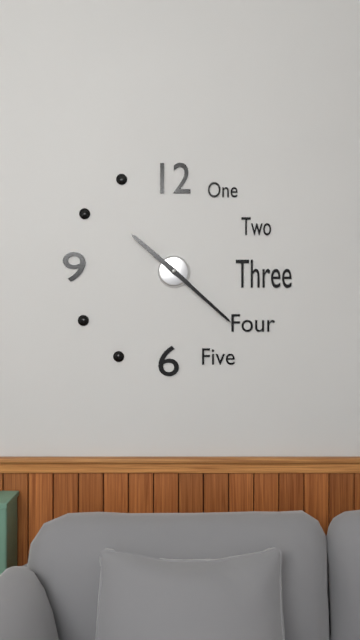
10.22
